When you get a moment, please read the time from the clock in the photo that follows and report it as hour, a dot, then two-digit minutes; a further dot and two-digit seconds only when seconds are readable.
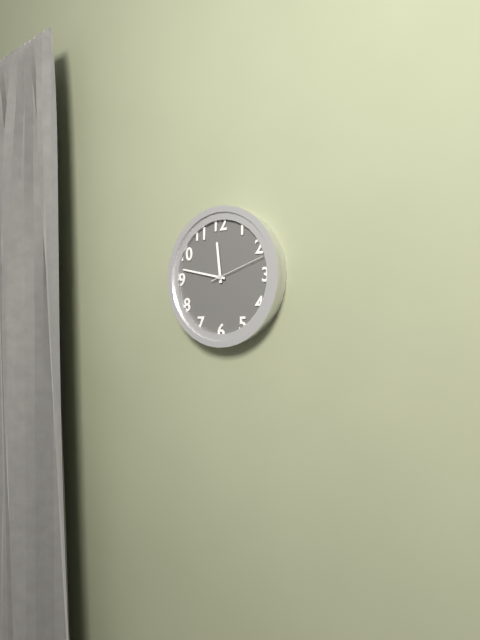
11.47.12
